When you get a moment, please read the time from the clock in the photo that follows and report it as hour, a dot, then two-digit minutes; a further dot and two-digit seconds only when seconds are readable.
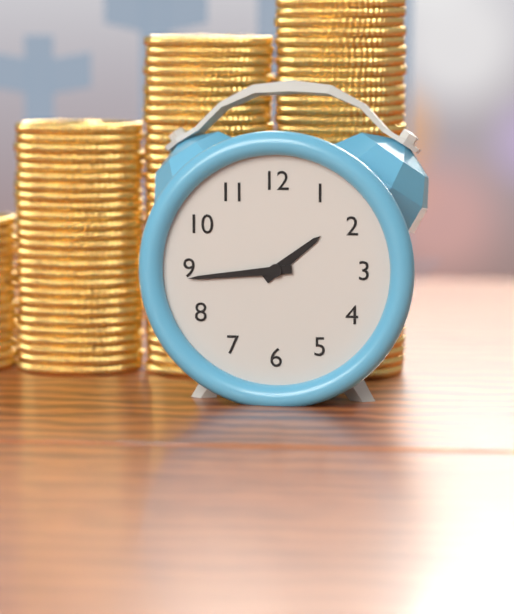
1.44
